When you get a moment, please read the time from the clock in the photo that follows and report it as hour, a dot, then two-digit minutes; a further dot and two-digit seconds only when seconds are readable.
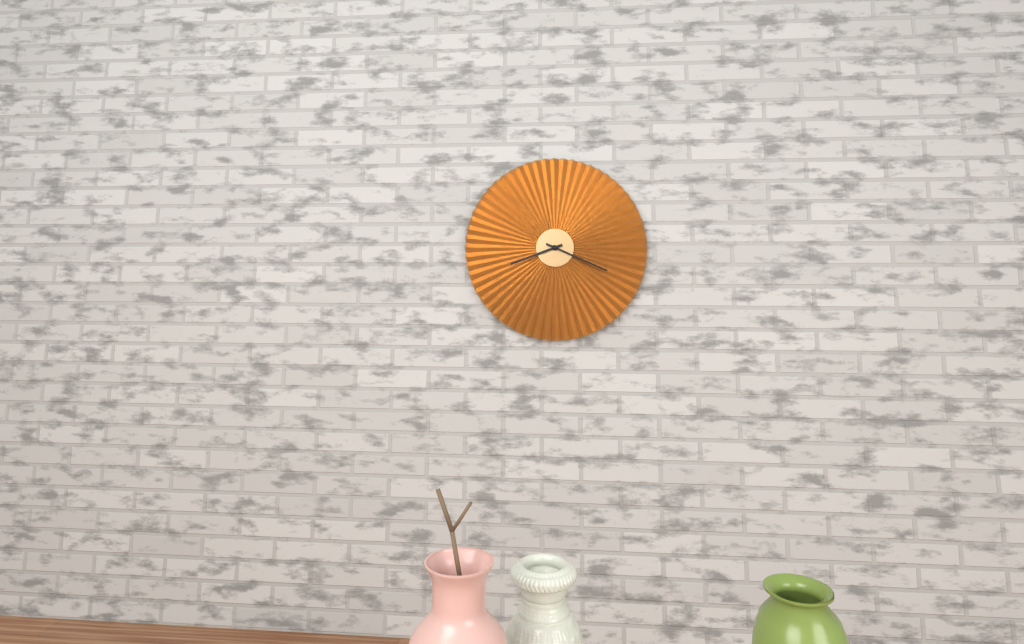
8.19
